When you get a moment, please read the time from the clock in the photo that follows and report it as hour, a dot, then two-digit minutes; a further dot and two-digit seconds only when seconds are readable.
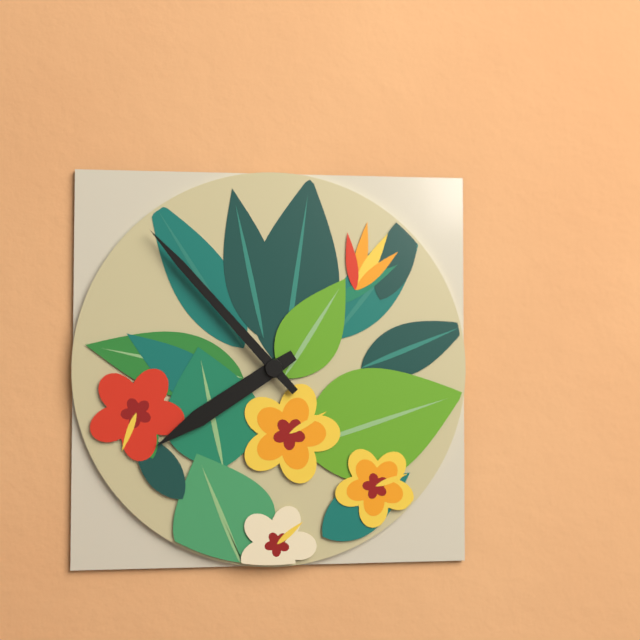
7.53
